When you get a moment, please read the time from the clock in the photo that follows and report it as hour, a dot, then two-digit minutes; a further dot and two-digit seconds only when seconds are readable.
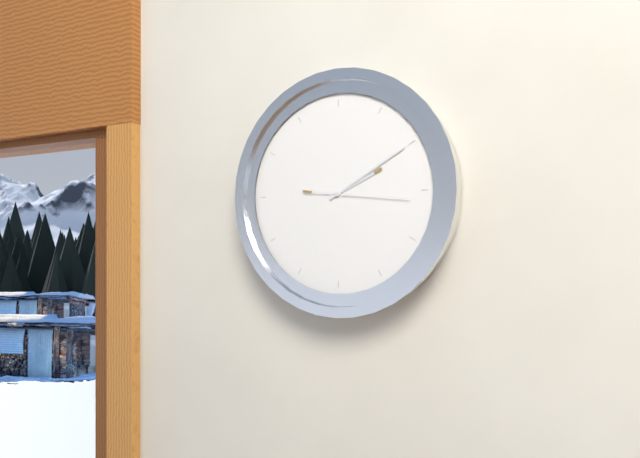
2.10.16
